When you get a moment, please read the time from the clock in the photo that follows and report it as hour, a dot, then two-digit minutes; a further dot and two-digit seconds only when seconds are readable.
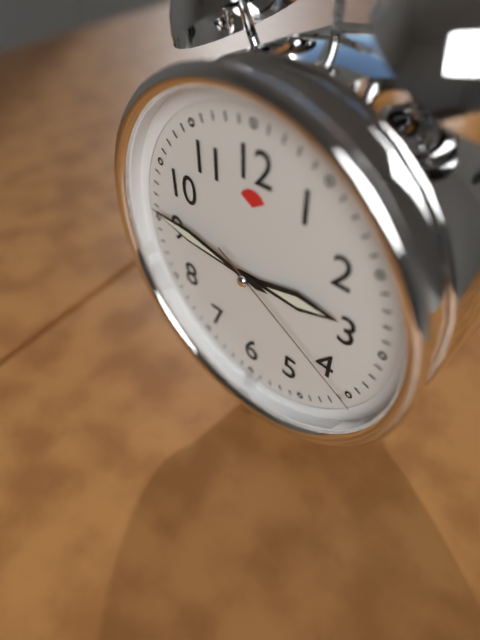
2.46.20
